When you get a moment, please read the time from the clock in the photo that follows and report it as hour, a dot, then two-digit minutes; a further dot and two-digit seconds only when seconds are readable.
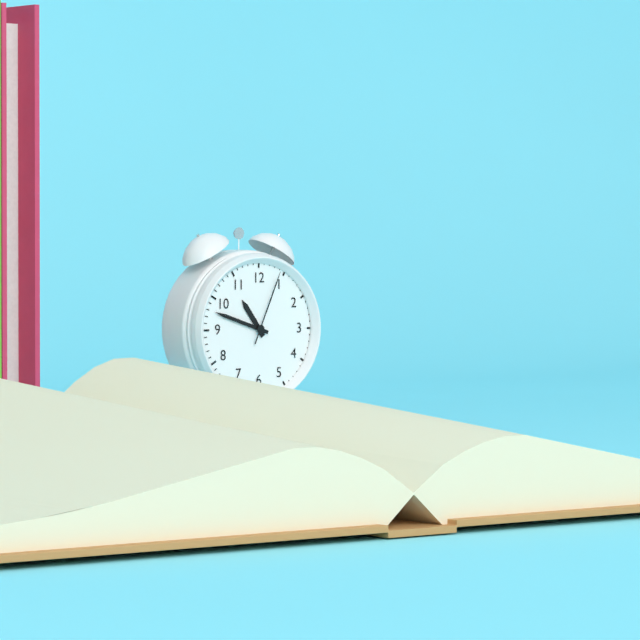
10.48.04
